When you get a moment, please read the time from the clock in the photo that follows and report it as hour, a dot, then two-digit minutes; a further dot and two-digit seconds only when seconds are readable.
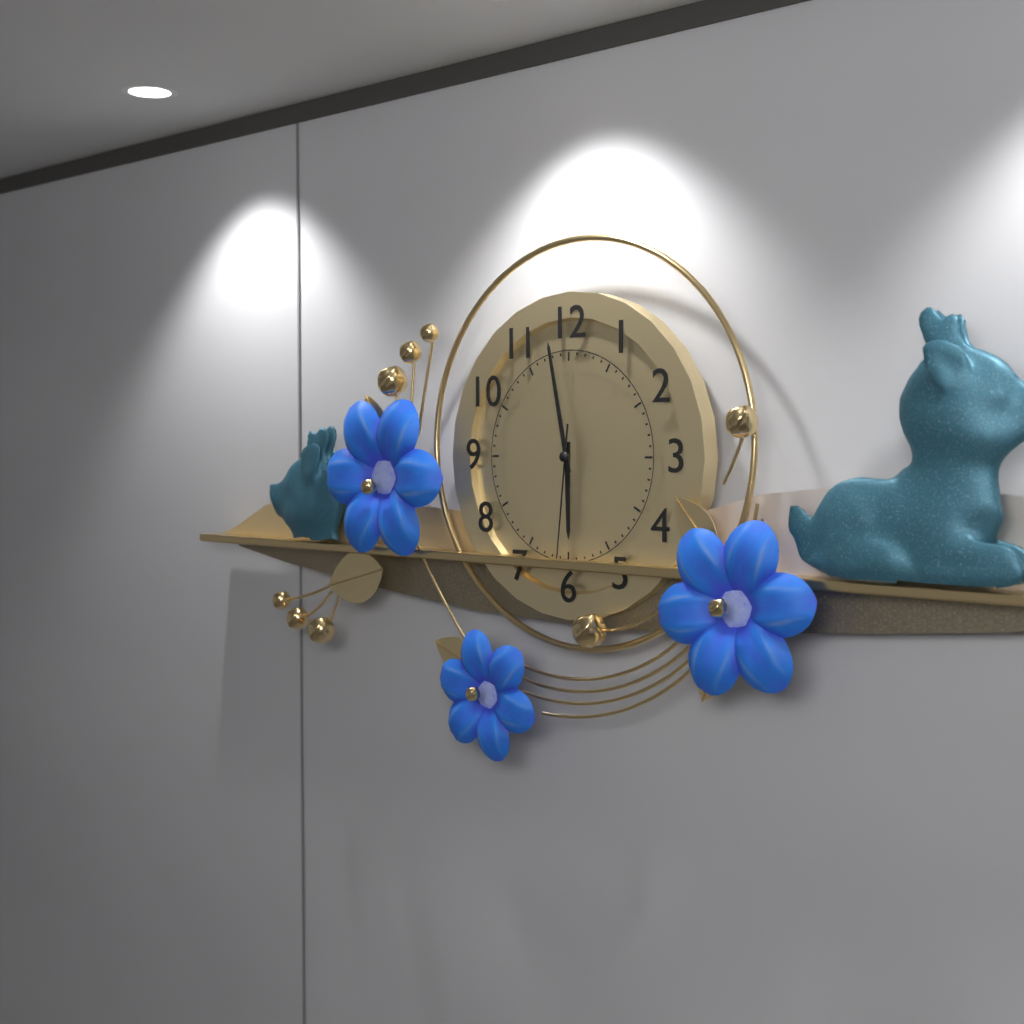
5.58.31
